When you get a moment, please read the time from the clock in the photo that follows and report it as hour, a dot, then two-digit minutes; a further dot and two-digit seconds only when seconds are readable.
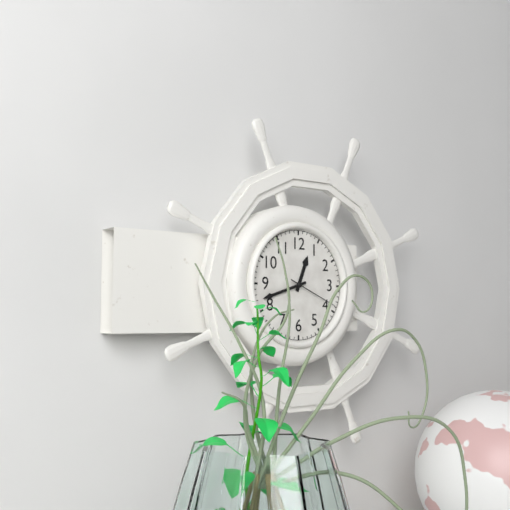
12.42.19
